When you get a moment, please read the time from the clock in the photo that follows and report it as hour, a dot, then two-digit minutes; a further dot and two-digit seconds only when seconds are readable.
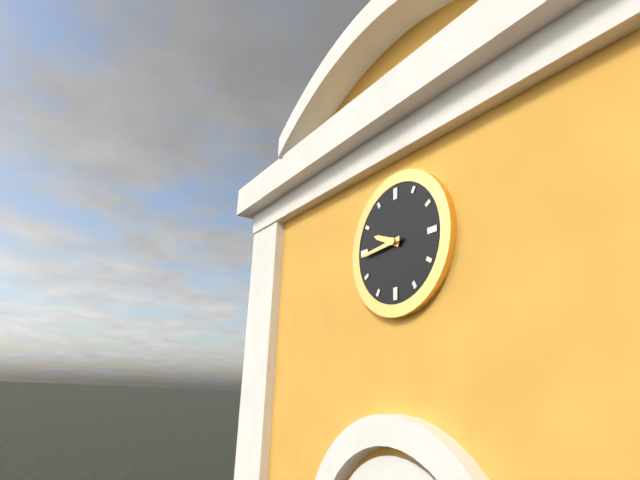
9.44
